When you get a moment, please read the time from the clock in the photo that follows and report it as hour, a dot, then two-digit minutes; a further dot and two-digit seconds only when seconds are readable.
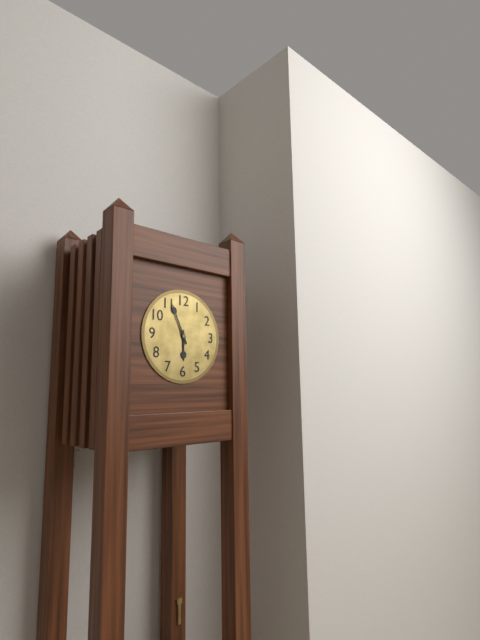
5.56
